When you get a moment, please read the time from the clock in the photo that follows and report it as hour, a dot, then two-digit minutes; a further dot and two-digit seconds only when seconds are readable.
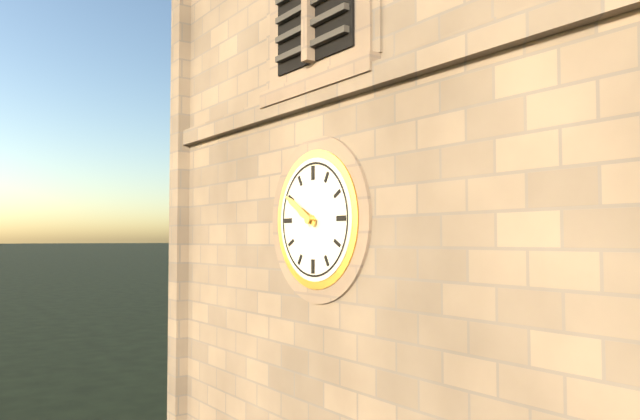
9.50
